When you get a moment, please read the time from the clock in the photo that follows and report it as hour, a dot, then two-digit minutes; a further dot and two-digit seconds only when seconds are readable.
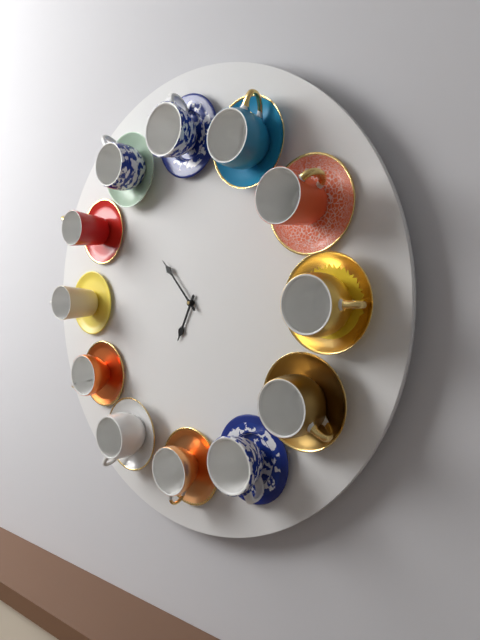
6.53
